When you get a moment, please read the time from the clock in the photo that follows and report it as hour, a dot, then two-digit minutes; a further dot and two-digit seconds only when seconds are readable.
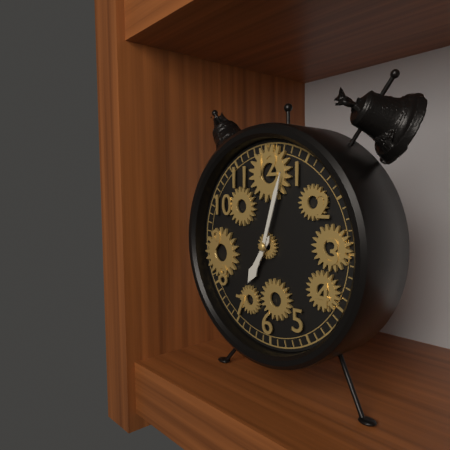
7.03
